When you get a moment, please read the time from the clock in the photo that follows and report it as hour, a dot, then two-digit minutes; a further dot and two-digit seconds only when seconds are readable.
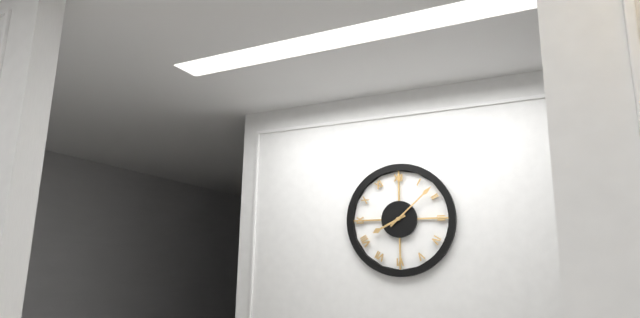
8.08
